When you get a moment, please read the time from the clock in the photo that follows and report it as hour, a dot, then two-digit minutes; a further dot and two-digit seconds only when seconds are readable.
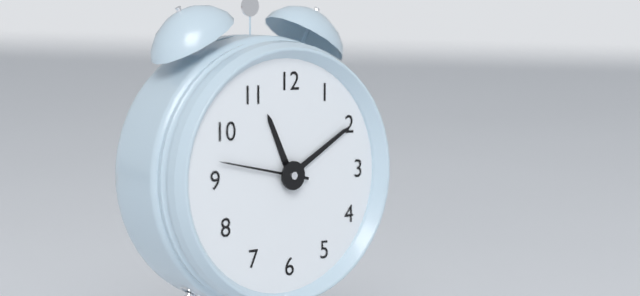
11.10.47
